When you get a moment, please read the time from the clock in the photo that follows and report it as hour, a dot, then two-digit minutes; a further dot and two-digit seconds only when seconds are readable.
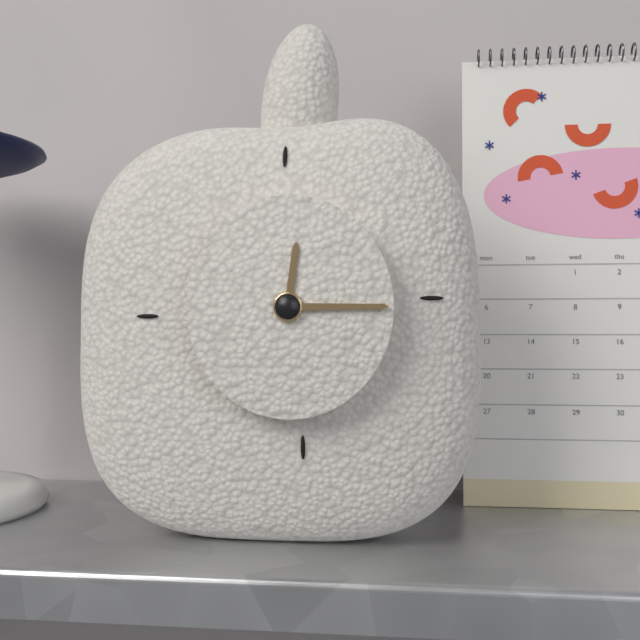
12.15
